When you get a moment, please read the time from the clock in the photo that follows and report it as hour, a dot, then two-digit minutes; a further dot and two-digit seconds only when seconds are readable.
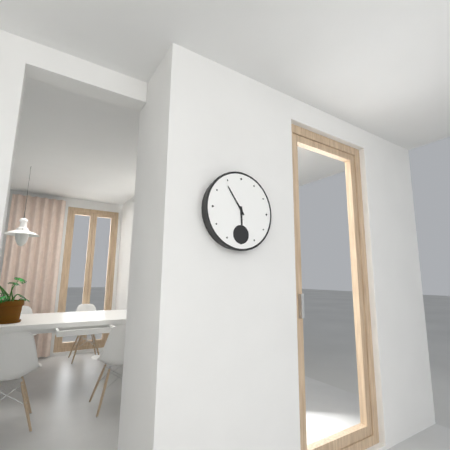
5.54
